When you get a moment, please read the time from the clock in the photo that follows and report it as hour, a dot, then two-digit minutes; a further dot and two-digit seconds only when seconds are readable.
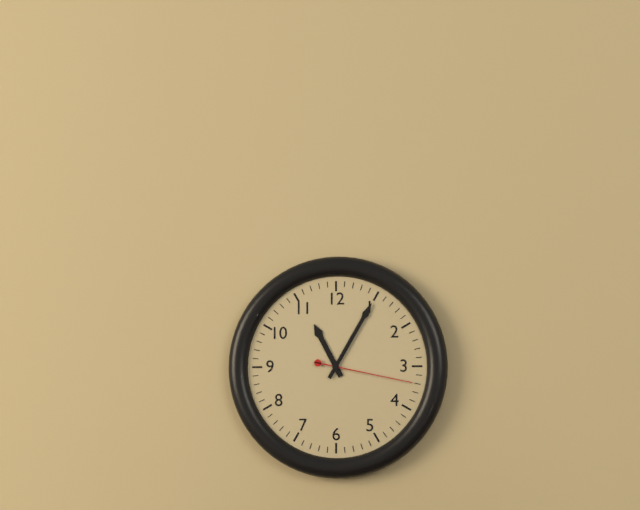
11.05.17
